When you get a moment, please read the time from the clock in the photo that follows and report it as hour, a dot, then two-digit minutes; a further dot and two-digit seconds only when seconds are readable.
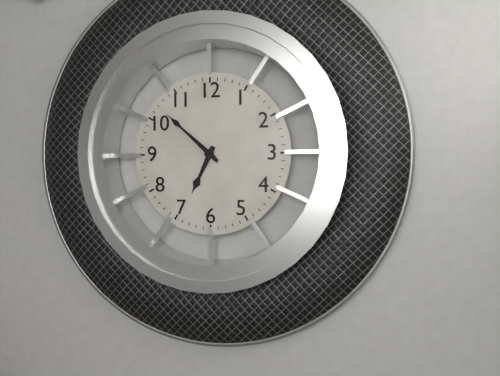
6.52
